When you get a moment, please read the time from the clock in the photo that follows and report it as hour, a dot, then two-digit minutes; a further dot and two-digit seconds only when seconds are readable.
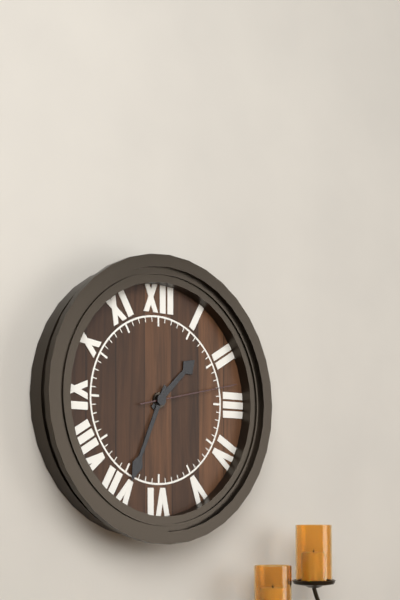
1.34.13
